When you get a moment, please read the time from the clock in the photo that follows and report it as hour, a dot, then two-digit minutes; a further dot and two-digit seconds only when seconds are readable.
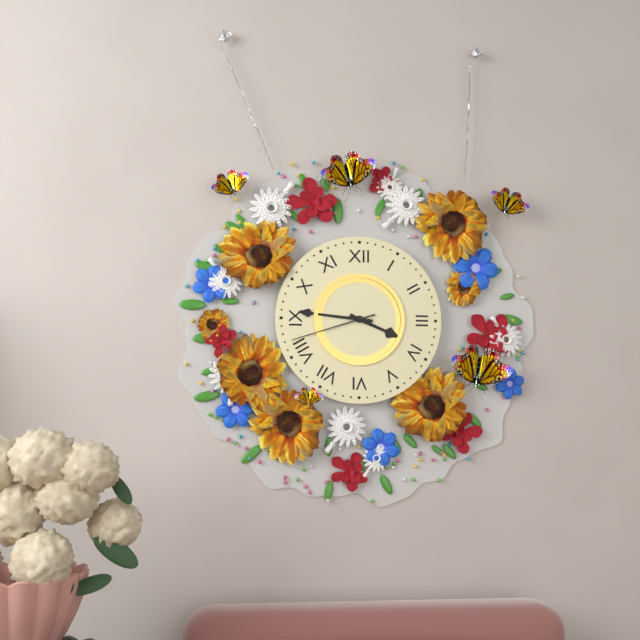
3.46.42
